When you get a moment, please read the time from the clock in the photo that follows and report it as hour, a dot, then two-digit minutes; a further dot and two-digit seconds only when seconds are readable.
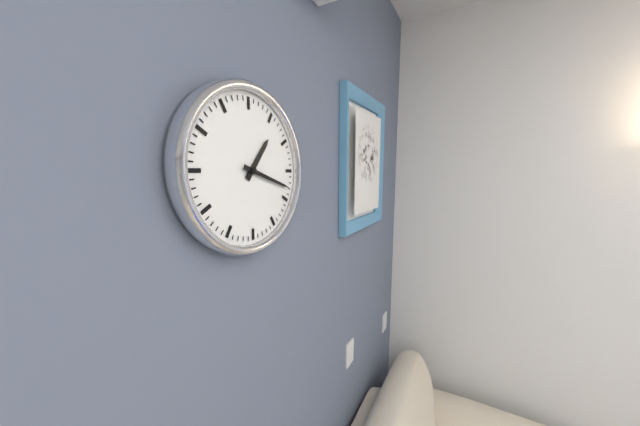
1.18
